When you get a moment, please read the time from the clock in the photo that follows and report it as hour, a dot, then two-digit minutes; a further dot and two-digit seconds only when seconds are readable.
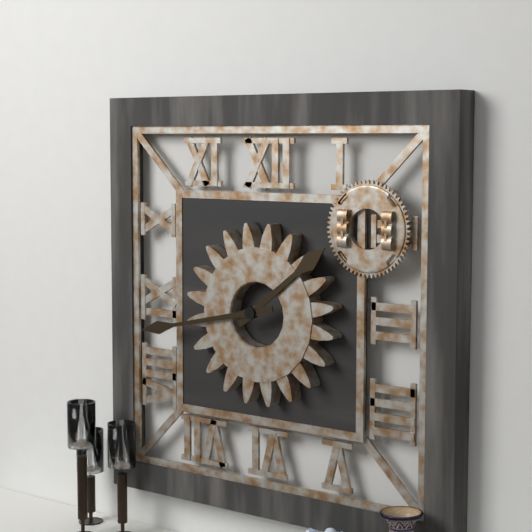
1.43
